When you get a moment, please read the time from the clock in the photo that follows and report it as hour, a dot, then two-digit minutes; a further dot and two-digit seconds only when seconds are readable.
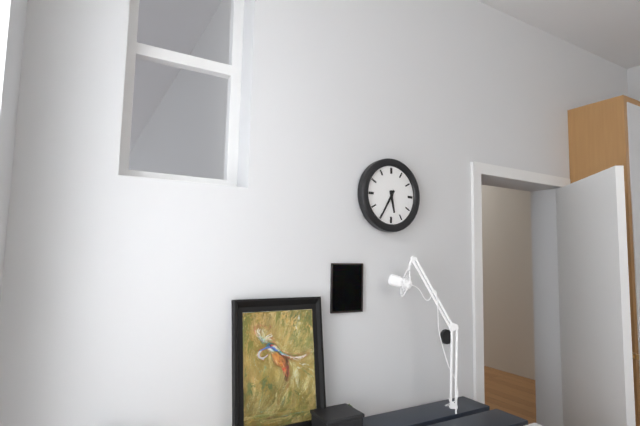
5.35
